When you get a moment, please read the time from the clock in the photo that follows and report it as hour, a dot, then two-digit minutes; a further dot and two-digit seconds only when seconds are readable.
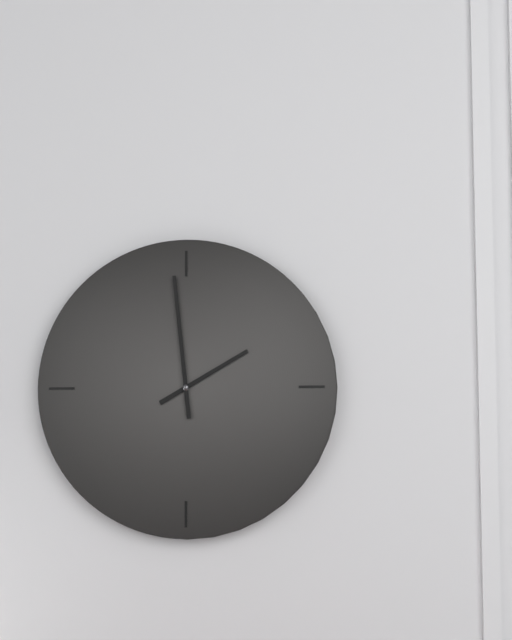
1.59
